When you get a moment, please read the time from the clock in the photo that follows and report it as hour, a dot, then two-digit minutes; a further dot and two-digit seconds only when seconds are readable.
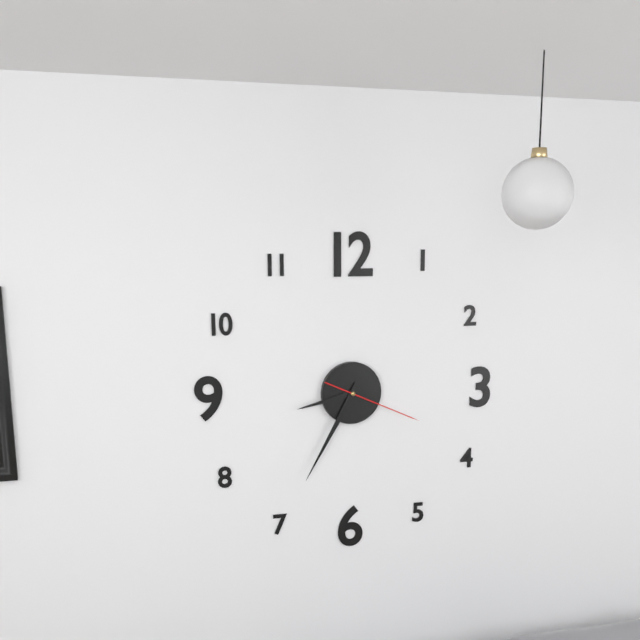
8.35.19
